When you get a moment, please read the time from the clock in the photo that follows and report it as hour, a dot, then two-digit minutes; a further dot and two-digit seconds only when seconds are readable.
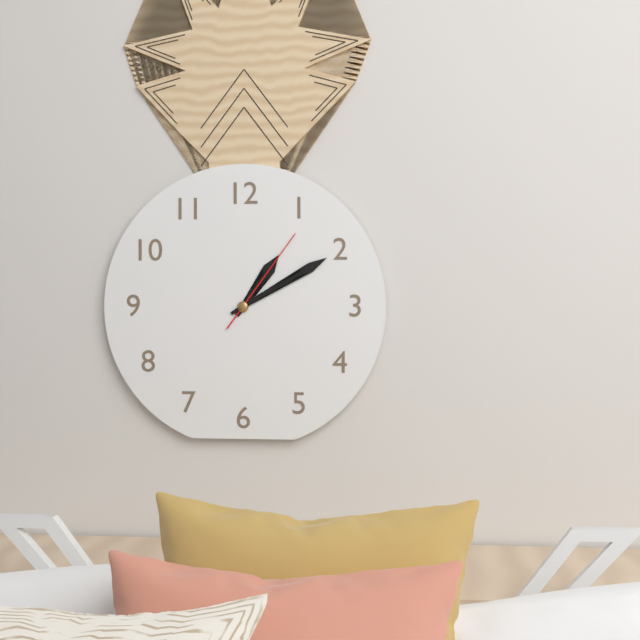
1.10.06
